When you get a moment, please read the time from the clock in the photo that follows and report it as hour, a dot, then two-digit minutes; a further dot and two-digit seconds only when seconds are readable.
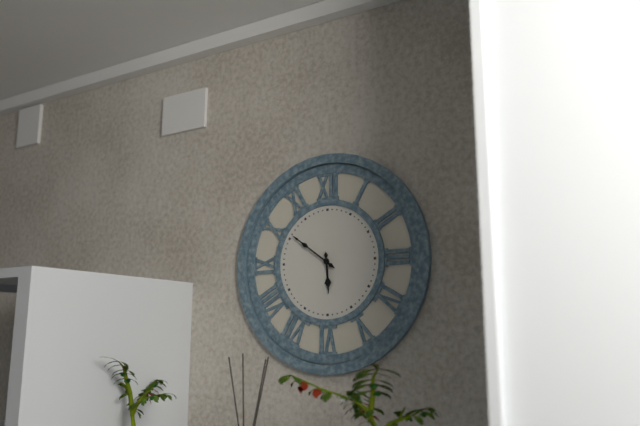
5.51
